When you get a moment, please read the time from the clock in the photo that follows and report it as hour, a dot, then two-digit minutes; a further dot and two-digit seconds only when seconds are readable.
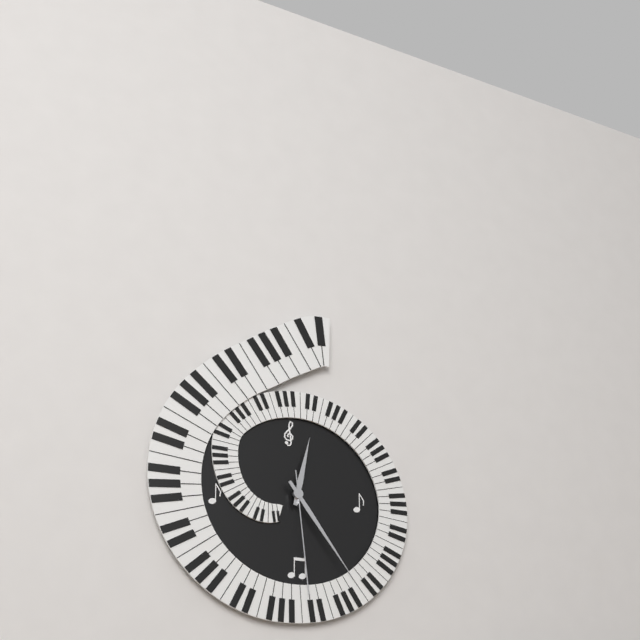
12.24.29
